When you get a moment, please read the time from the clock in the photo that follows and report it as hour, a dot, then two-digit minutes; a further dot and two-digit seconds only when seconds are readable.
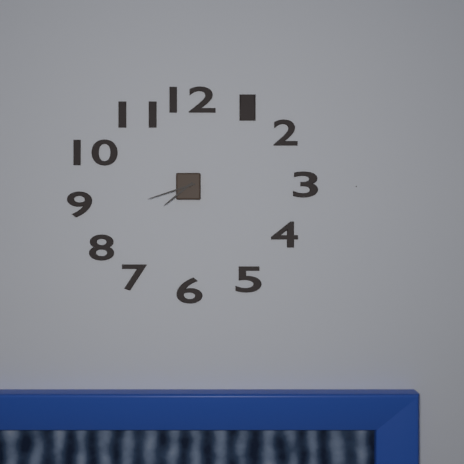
7.42
